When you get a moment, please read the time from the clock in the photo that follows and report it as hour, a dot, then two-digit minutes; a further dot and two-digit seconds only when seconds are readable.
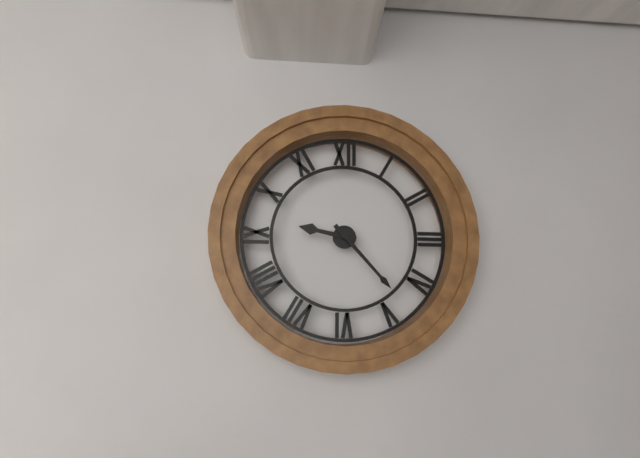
9.23
